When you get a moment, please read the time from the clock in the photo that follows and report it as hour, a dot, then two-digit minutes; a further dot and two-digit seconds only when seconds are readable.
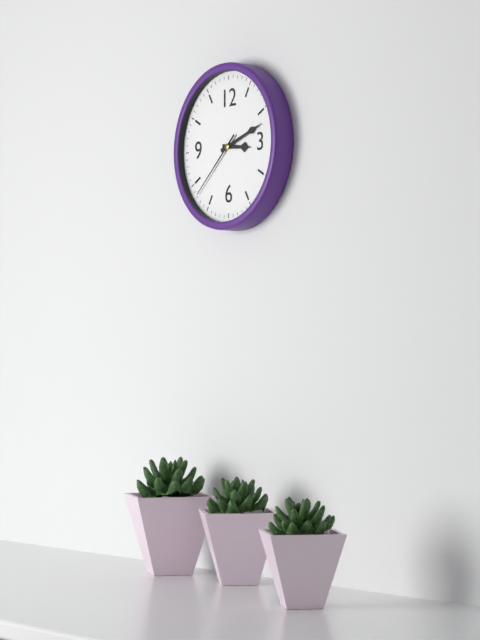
3.12.38
